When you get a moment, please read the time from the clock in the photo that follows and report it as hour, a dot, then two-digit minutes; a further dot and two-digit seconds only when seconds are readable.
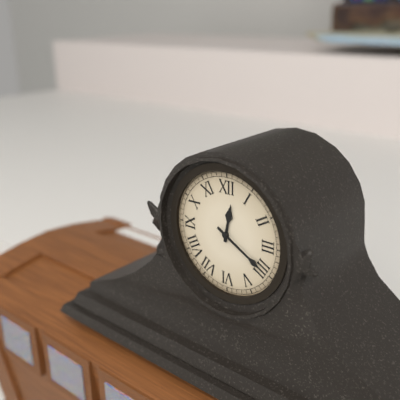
12.20
